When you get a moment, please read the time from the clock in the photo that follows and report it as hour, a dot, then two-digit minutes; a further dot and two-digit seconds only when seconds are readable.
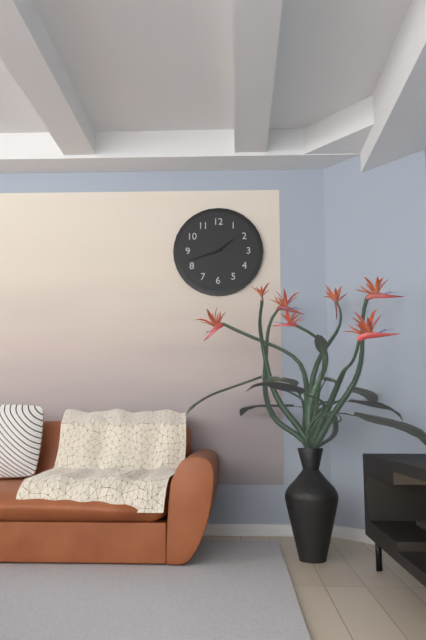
1.42
